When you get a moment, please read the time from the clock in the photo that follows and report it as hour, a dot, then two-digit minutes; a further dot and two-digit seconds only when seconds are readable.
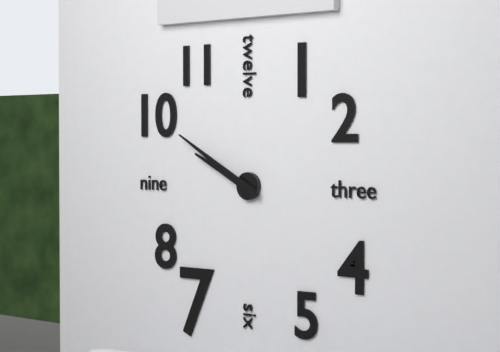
9.50
